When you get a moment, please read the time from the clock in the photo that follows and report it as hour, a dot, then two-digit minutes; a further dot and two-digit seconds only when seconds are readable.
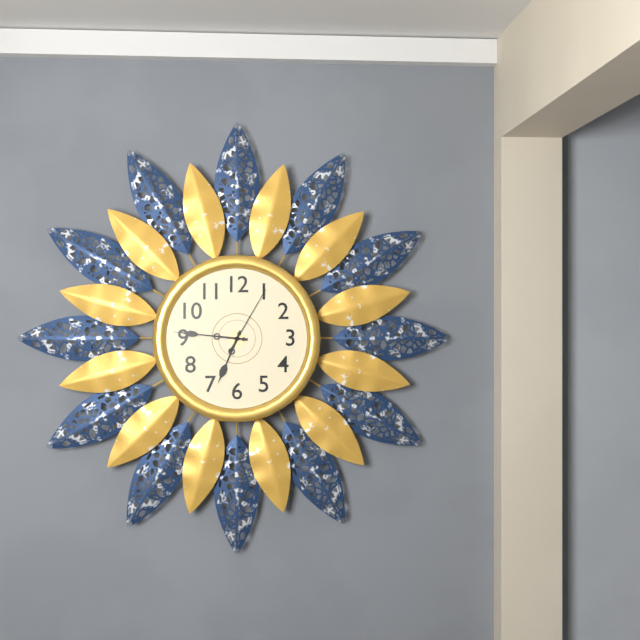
6.46.05
